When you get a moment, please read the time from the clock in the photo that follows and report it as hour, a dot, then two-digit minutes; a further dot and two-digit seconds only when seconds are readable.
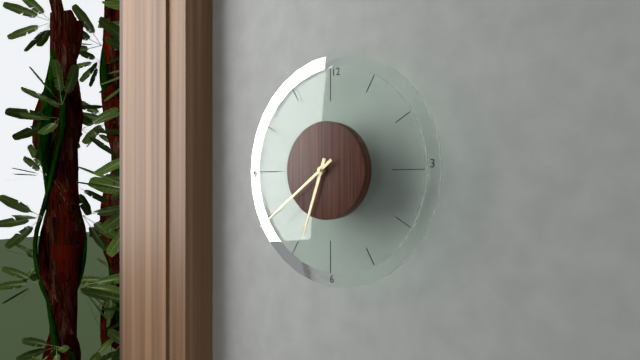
6.39
